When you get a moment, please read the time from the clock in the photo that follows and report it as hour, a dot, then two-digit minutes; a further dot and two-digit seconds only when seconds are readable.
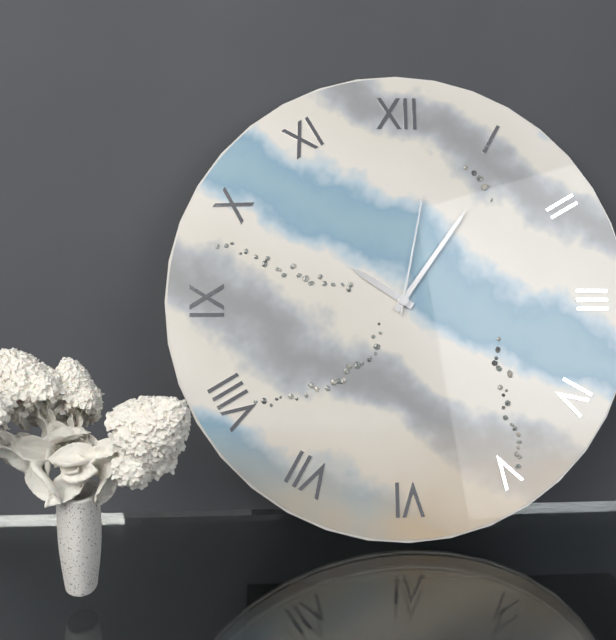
10.06.02
